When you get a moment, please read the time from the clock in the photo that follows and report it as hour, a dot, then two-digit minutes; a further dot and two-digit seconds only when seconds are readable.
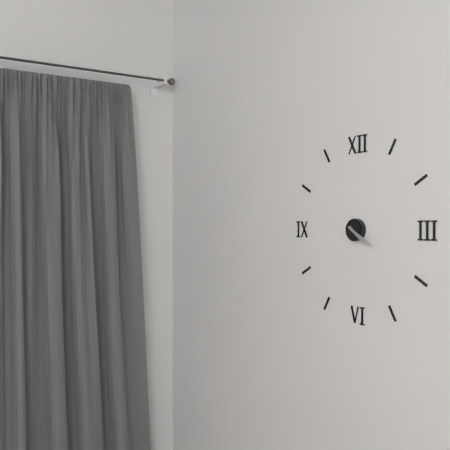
4.20
